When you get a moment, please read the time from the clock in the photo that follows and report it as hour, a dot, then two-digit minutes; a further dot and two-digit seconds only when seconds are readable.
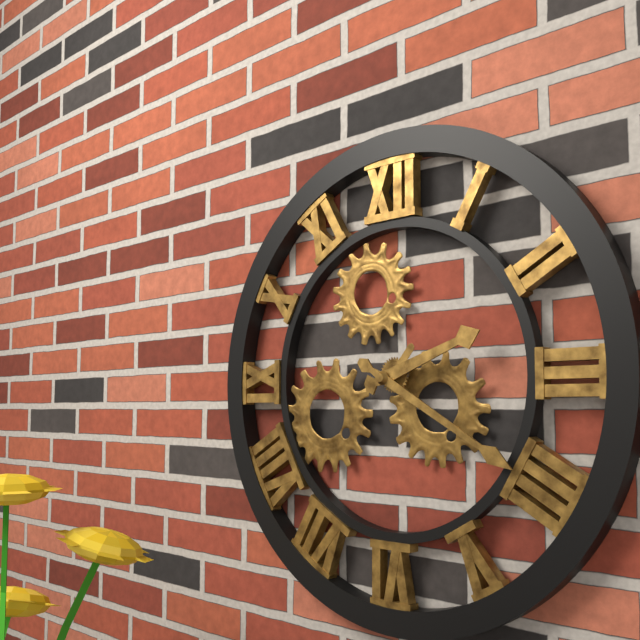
2.20
